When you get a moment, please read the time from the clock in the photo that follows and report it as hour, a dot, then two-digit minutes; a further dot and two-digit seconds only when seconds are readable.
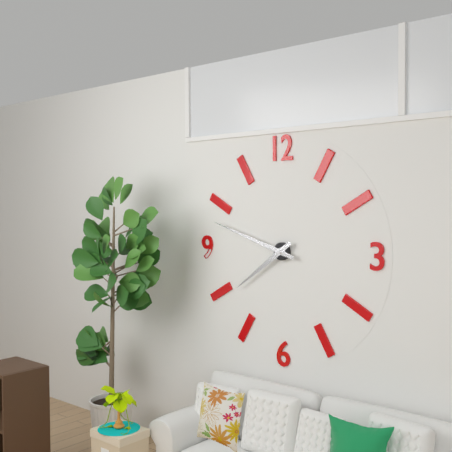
7.48
